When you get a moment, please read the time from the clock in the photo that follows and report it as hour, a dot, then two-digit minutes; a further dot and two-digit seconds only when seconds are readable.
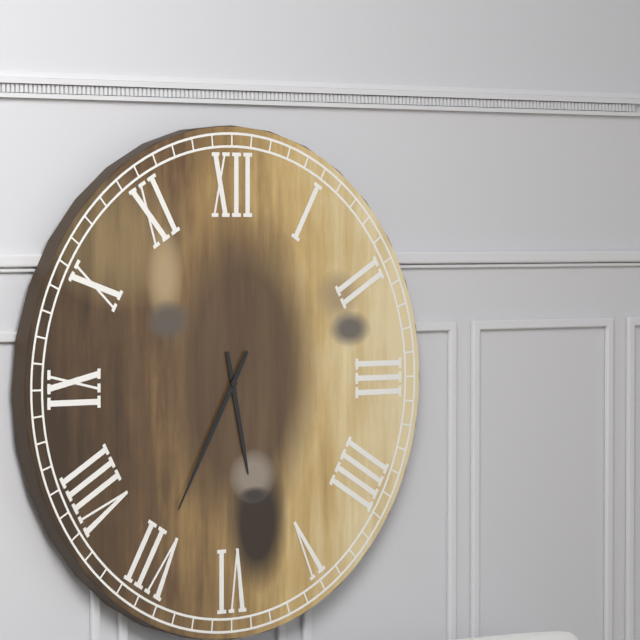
5.35
